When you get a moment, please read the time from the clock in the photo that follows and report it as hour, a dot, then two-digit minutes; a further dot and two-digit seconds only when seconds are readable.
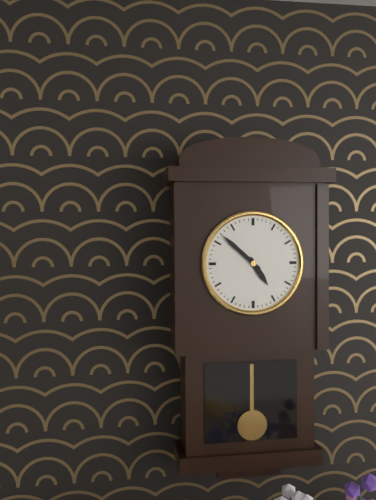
4.52
